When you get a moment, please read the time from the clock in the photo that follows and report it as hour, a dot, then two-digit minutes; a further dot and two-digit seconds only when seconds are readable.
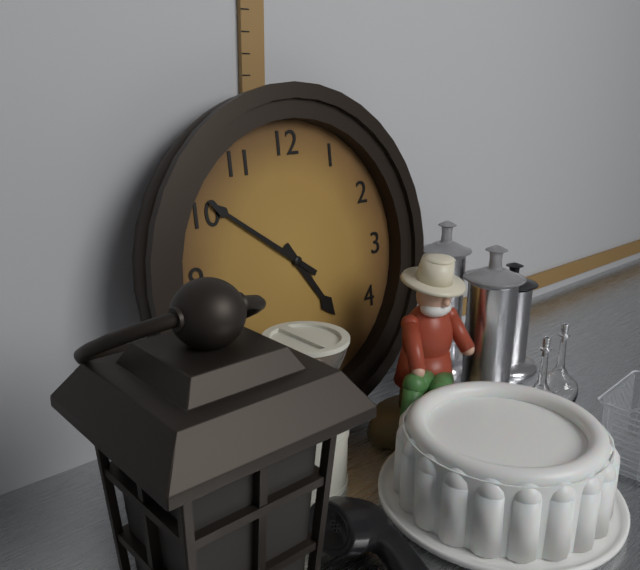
4.51
